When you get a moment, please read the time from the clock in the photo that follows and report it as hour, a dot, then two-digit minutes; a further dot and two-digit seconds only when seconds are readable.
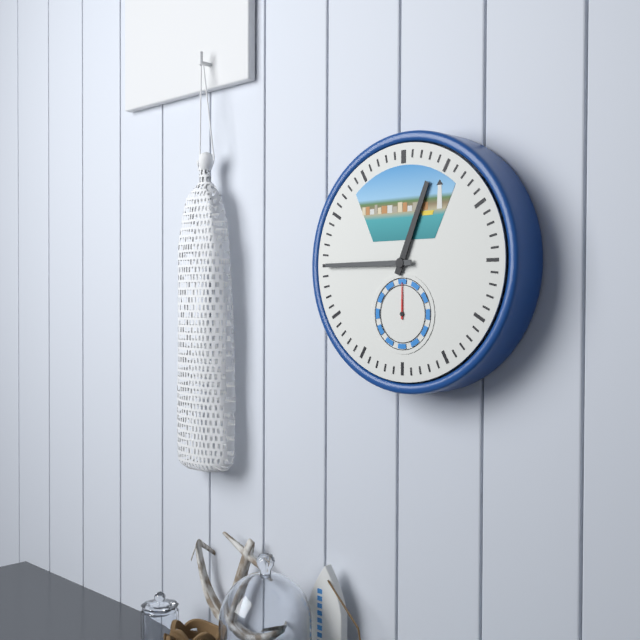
12.45
